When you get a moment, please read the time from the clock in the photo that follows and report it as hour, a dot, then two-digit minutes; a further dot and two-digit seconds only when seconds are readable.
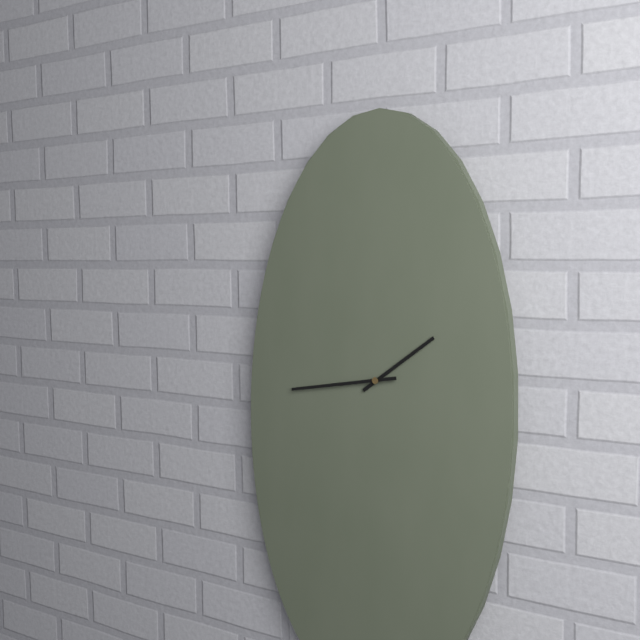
1.43
